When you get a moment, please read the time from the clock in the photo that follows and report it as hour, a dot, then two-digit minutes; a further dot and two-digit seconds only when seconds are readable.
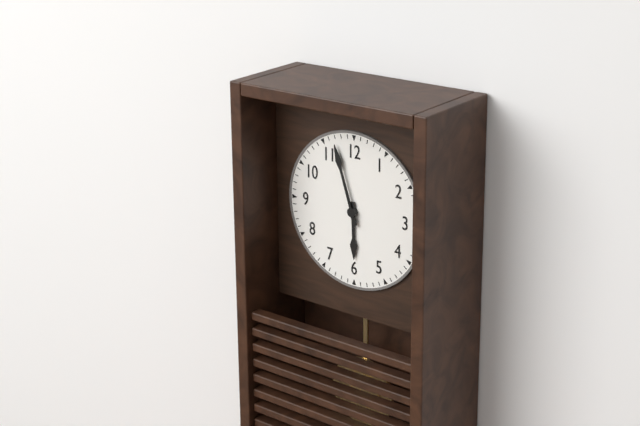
5.57
